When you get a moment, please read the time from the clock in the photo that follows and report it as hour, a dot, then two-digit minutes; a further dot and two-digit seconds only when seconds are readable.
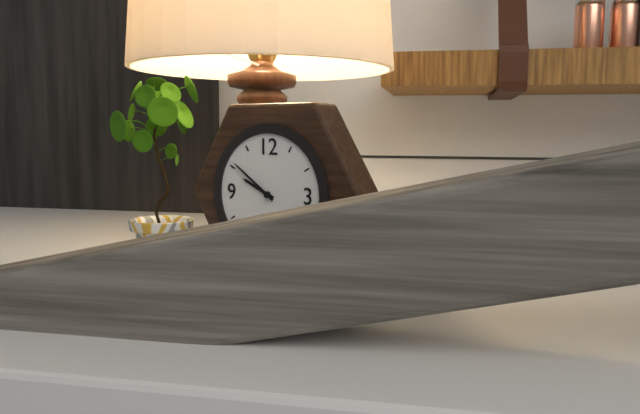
9.51
